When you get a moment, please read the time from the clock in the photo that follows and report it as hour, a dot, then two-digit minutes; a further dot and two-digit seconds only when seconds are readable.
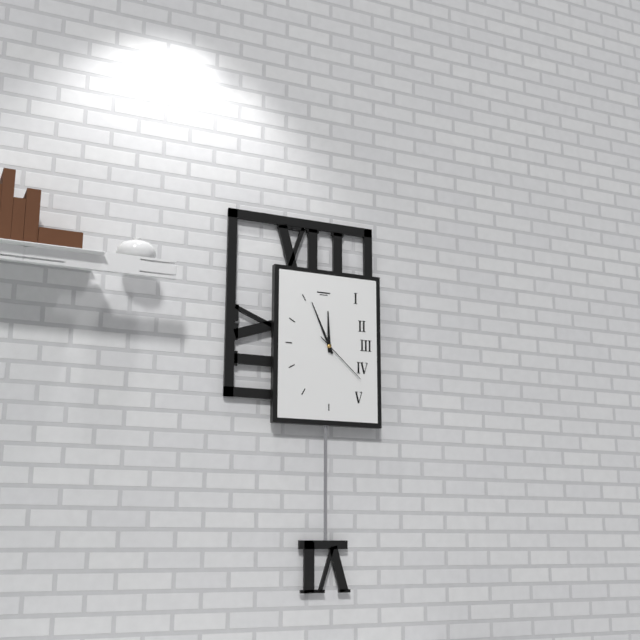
11.56.22
